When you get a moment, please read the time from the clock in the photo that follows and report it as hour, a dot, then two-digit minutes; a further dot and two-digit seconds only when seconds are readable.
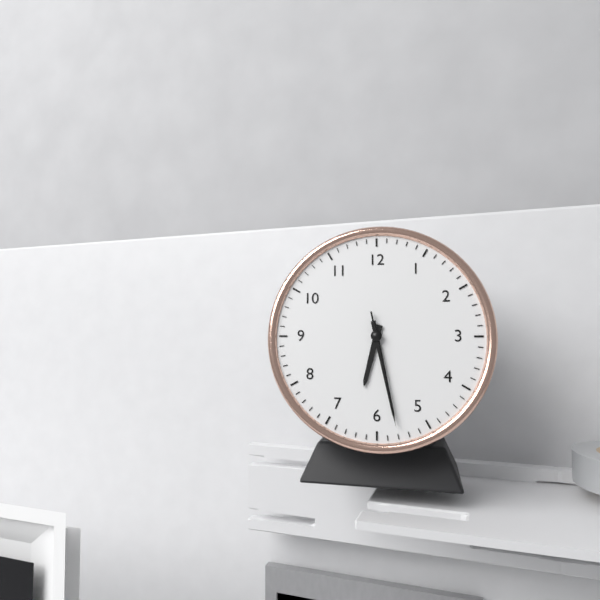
6.28.28
